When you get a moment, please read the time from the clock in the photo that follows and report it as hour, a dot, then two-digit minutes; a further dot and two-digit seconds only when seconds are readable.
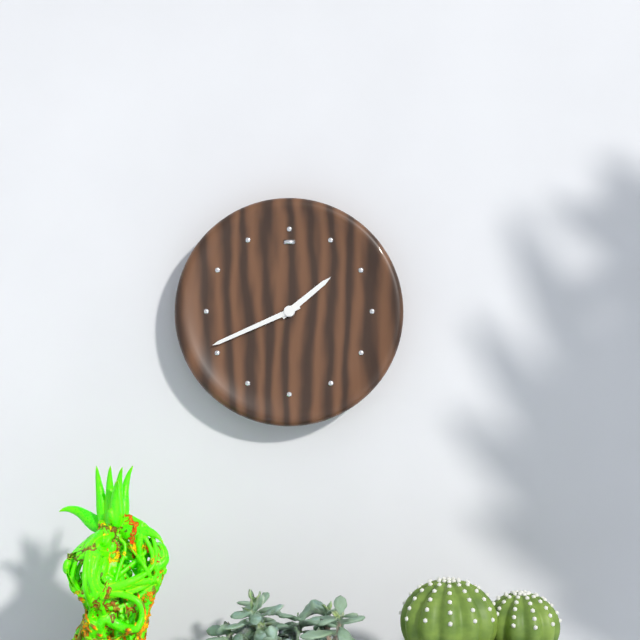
1.41
